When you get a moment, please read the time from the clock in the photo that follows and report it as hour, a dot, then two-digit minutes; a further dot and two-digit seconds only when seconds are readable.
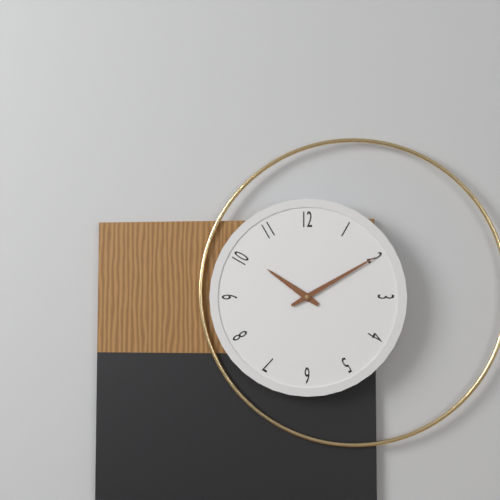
10.10
